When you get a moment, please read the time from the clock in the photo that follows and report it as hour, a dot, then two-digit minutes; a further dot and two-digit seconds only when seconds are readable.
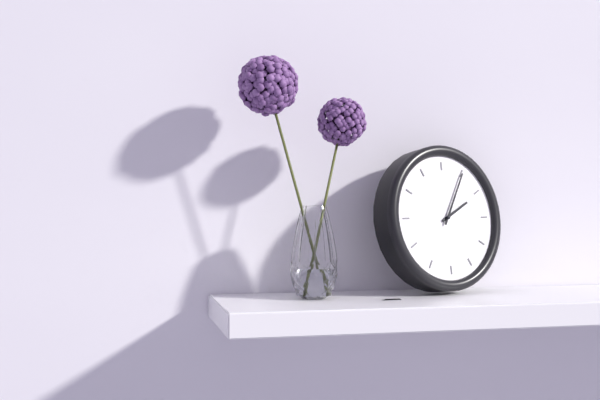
2.05
